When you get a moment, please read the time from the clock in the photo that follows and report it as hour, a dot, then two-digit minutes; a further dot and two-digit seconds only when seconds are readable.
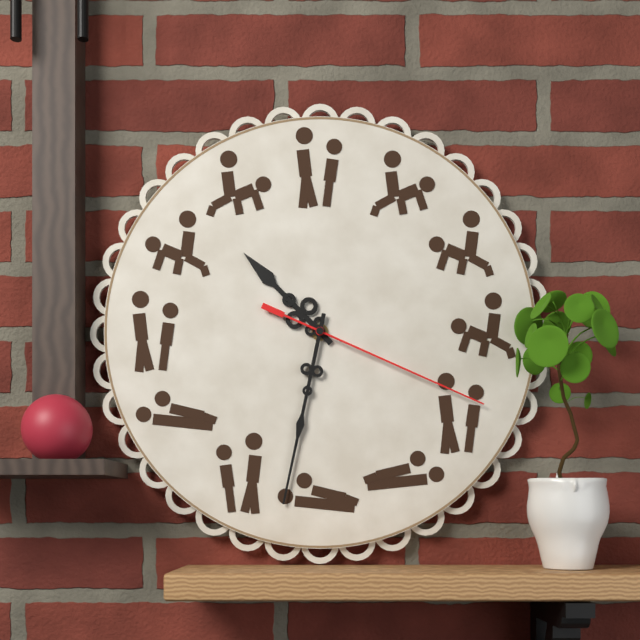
10.32.19
